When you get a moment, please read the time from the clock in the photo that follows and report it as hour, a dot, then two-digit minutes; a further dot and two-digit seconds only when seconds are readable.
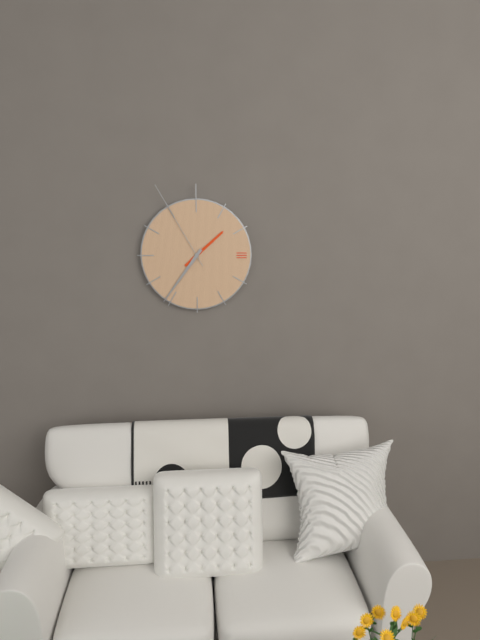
1.36.55
